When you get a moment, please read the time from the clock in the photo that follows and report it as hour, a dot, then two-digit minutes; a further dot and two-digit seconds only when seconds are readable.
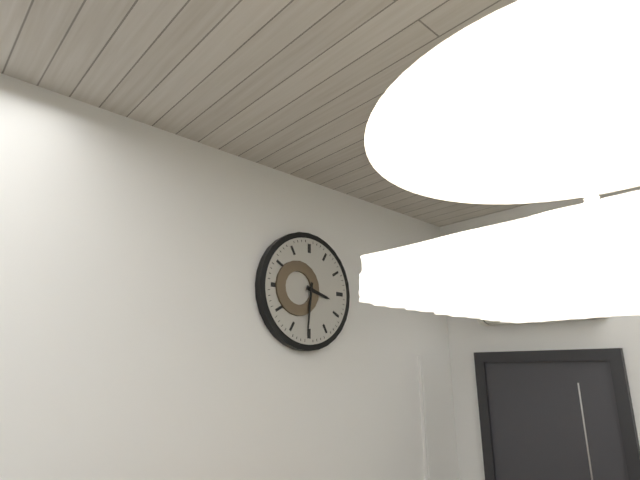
3.31
